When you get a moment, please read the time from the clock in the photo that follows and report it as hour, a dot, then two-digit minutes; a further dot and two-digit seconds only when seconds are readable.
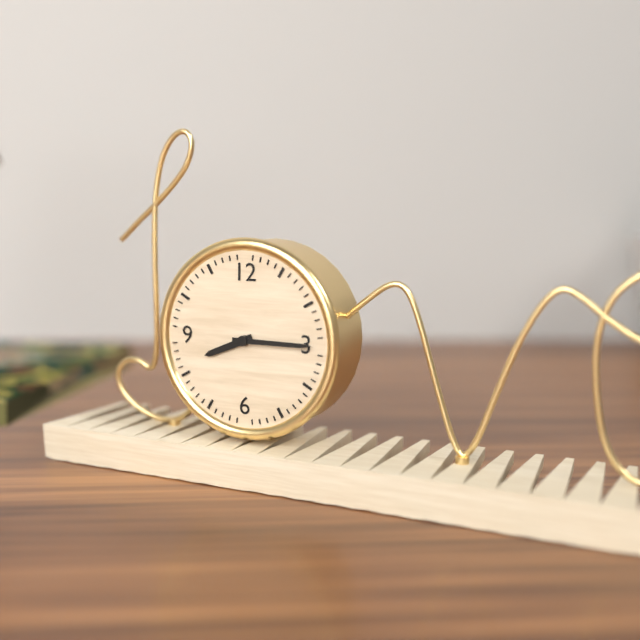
8.15
